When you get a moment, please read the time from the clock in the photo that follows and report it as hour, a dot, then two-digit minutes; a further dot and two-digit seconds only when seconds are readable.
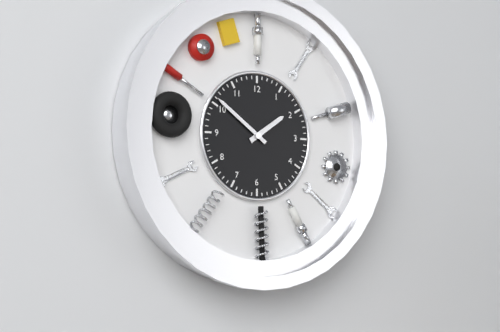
1.51
